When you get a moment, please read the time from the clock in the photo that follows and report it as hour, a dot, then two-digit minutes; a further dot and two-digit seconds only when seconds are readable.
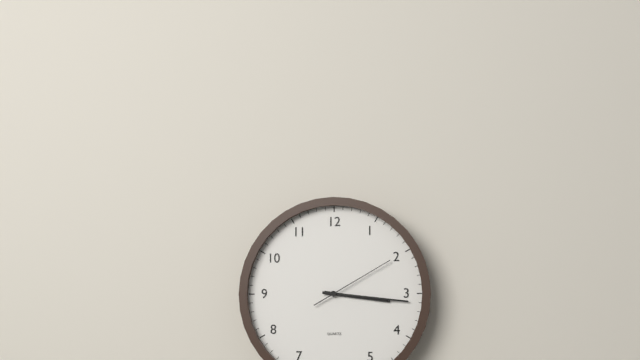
3.16.10
